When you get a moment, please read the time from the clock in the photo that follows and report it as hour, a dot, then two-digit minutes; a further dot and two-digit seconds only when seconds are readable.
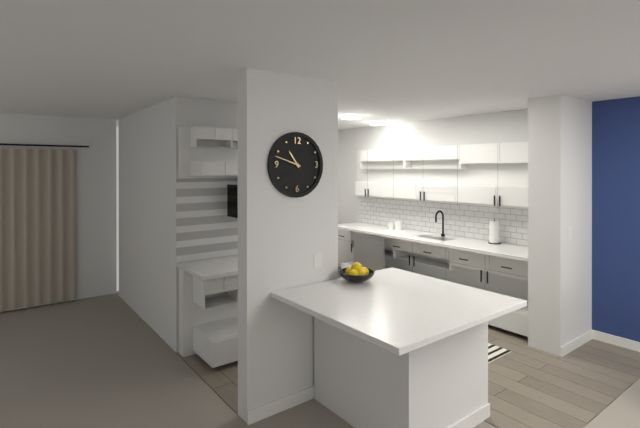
10.48
